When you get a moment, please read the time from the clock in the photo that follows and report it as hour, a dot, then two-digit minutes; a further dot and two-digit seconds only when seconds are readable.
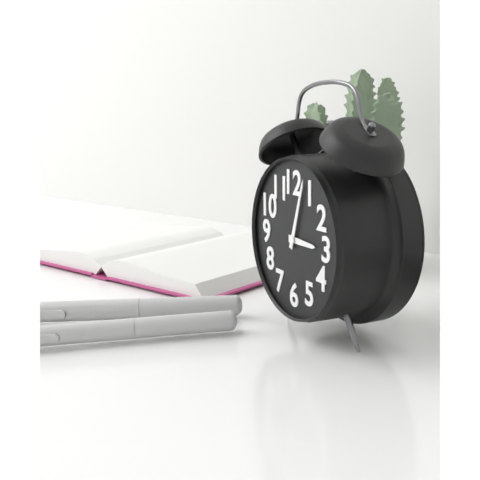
3.03
